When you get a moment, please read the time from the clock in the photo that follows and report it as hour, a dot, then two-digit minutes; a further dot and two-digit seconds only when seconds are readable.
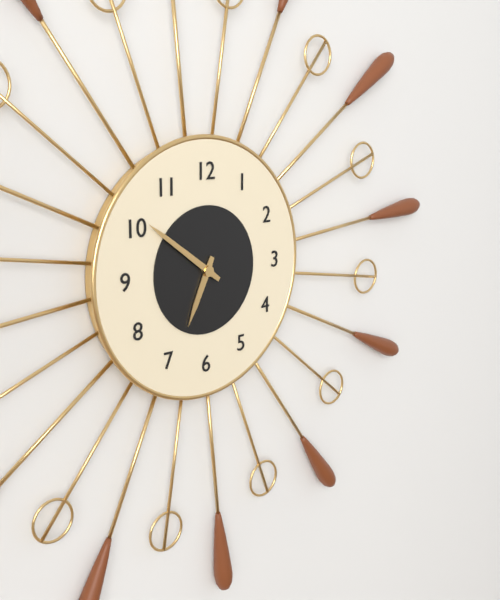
6.51
